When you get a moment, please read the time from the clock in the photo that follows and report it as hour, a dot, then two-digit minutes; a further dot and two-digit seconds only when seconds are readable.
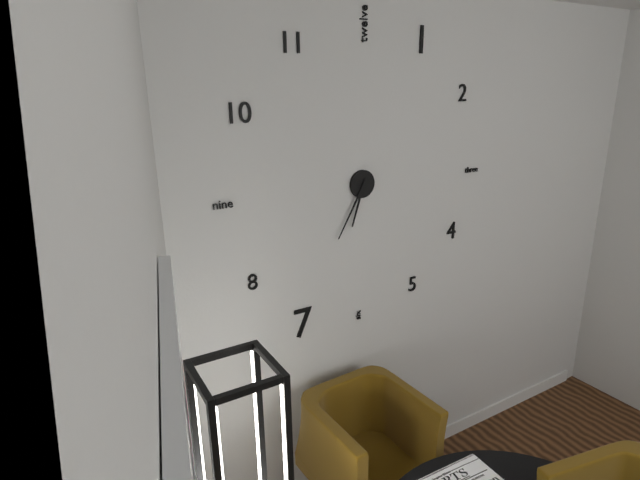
6.35
